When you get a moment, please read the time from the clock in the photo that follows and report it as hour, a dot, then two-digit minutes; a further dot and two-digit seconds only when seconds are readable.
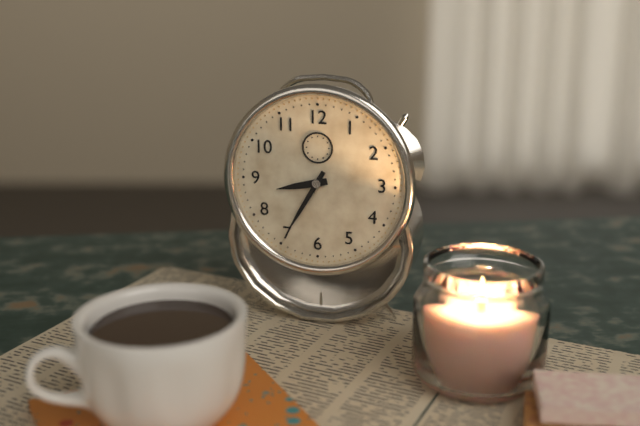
8.35
